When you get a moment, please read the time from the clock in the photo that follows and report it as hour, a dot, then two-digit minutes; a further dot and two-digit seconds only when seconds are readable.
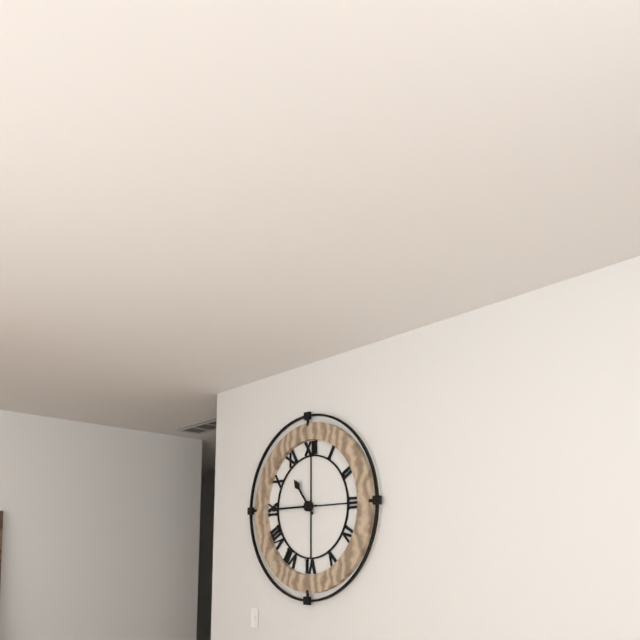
10.45
